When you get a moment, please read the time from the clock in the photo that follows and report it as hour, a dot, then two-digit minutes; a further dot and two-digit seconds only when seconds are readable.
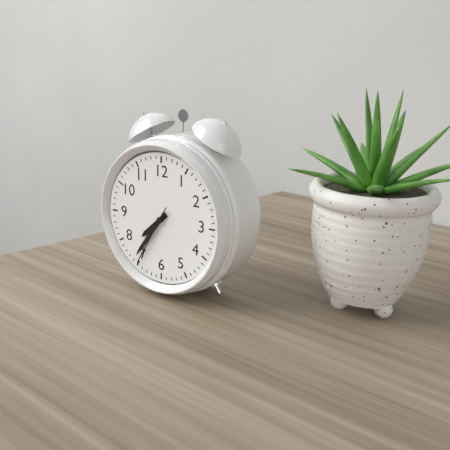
7.36.35
